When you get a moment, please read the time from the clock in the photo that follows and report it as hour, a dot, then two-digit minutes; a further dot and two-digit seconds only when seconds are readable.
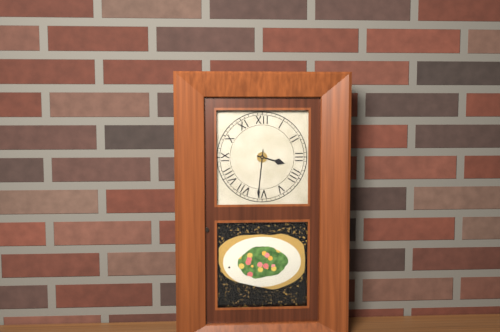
3.31
